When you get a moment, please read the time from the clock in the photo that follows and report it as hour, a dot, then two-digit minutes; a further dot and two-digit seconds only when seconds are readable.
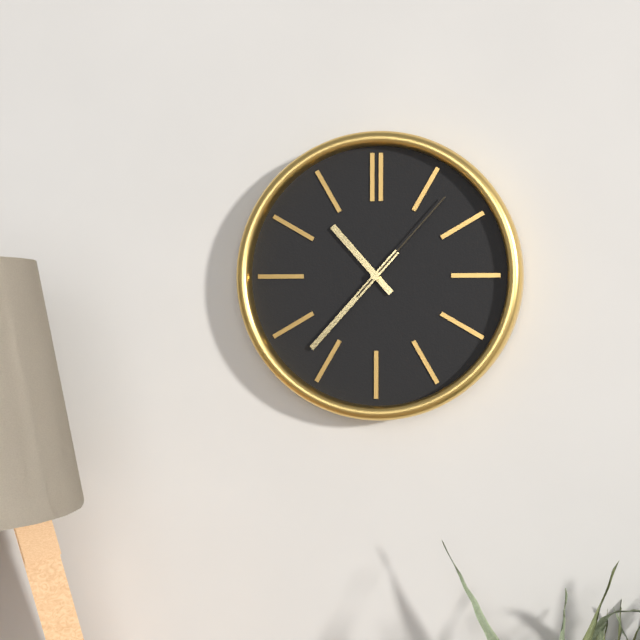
10.37.07
